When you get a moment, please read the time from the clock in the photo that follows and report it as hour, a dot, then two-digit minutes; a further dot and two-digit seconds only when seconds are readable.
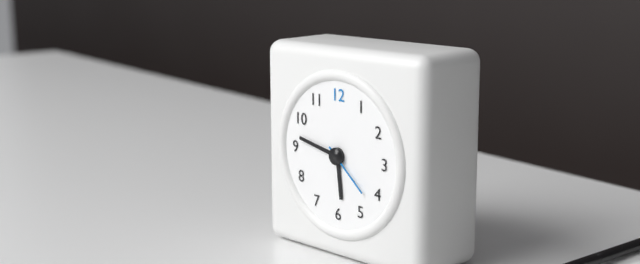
5.47.22
